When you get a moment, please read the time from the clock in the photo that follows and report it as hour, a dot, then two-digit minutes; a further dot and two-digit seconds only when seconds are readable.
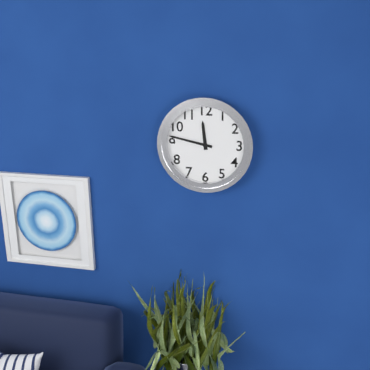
11.47
